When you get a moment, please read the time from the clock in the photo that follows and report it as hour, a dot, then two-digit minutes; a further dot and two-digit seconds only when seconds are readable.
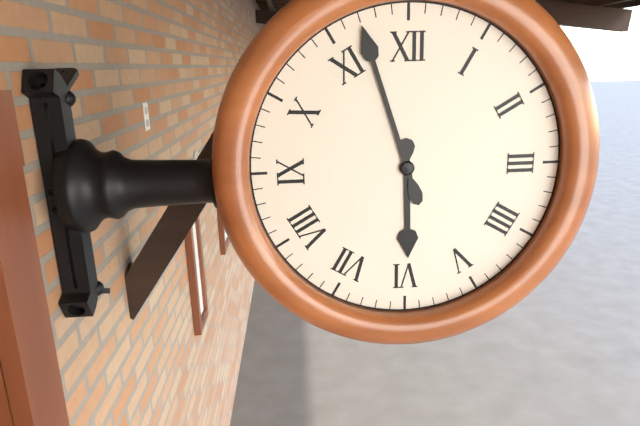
5.57
